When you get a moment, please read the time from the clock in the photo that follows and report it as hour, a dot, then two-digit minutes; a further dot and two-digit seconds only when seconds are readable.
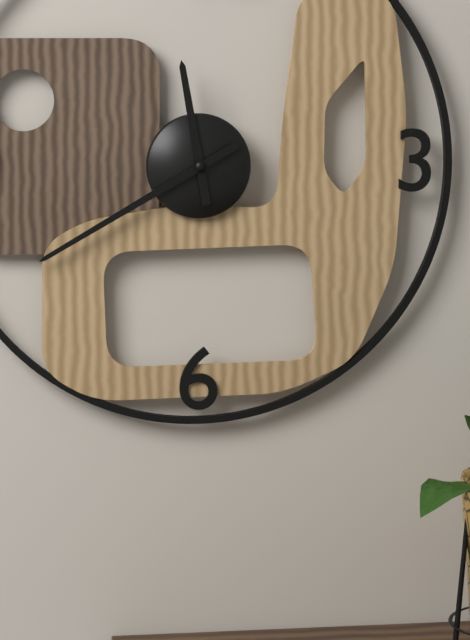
11.40
